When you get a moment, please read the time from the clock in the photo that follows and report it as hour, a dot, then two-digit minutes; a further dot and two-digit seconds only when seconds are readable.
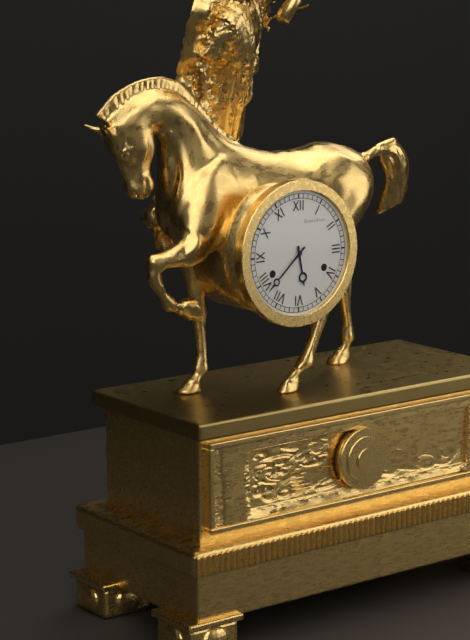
5.38
